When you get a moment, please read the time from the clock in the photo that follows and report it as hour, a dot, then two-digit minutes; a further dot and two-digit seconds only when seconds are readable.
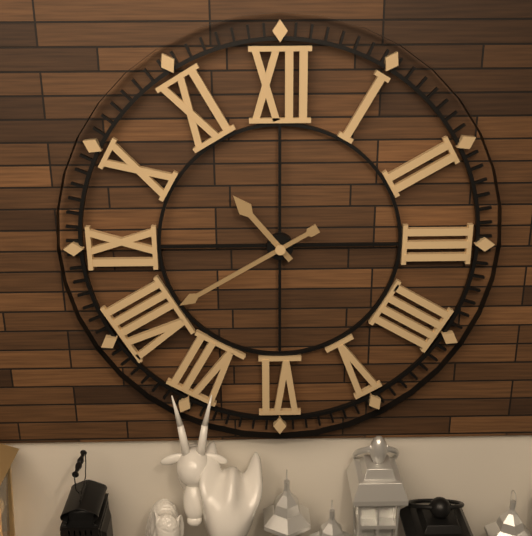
10.40
